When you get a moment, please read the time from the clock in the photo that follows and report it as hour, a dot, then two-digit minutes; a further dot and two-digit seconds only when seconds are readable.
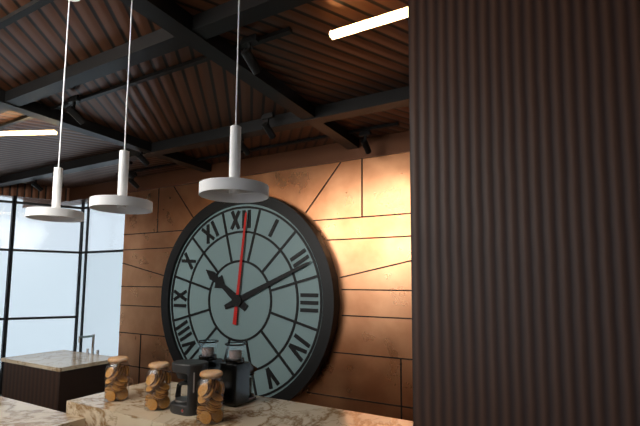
10.11.01
